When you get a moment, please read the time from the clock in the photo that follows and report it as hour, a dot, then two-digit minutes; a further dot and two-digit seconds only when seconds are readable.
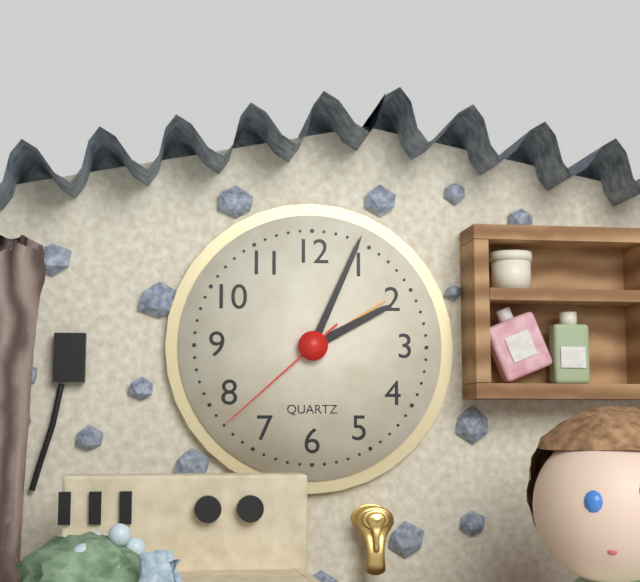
2.04.38
